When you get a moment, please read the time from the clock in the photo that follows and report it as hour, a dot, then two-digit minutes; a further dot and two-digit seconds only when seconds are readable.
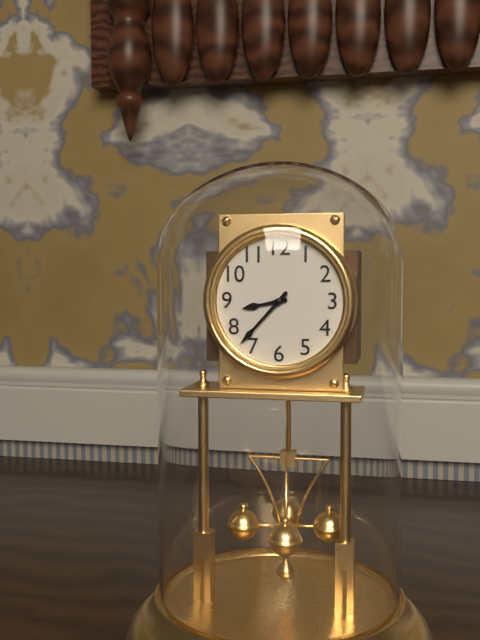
8.37
